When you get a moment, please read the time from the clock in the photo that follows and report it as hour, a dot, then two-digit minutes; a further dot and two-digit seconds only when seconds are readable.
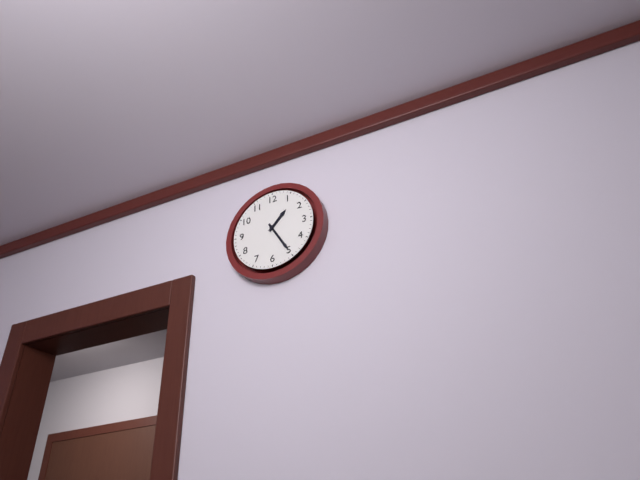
1.25
